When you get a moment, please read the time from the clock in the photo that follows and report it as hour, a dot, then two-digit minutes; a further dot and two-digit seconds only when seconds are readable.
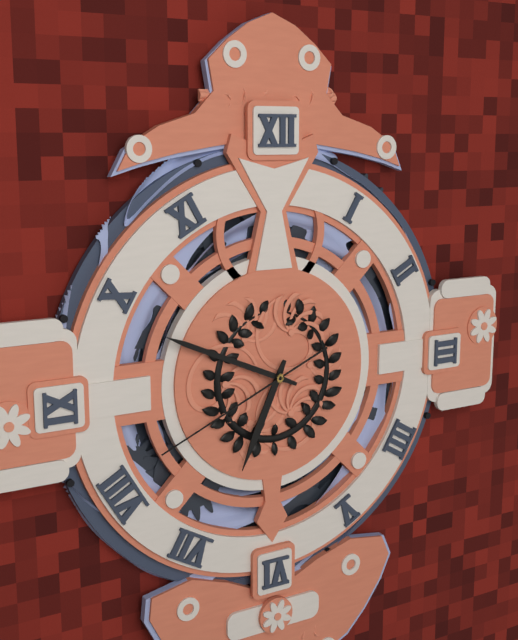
6.49.41
